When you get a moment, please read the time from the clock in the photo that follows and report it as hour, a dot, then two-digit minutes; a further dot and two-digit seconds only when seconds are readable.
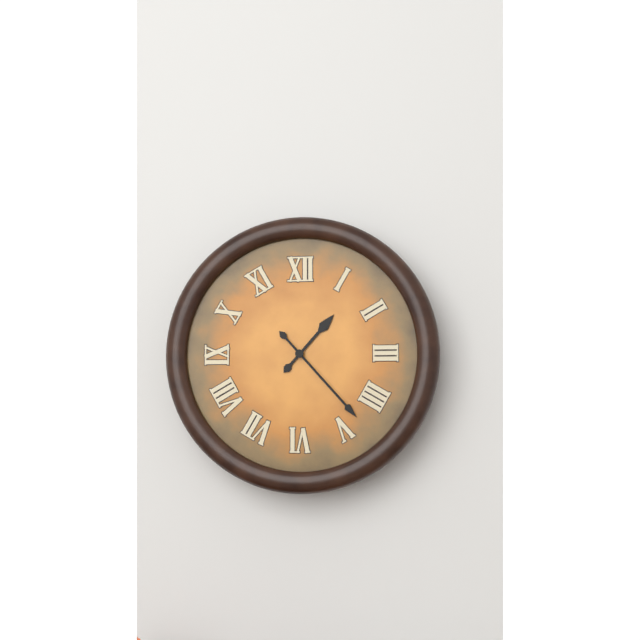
1.23
